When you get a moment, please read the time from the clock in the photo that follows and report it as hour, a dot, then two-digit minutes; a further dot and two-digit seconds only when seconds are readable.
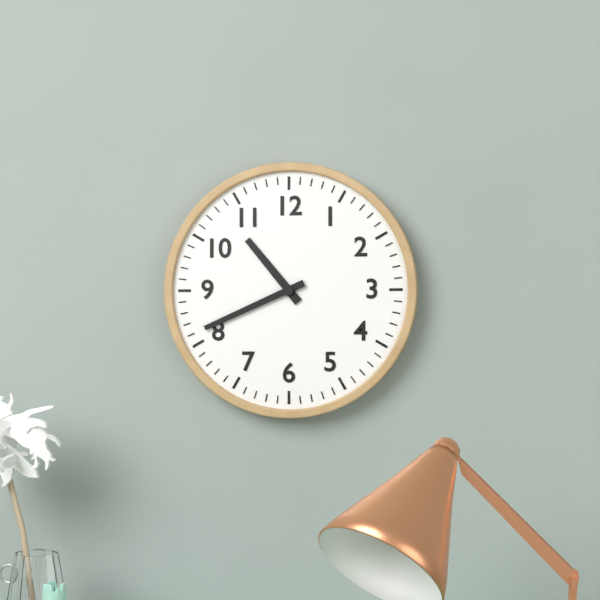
10.41
